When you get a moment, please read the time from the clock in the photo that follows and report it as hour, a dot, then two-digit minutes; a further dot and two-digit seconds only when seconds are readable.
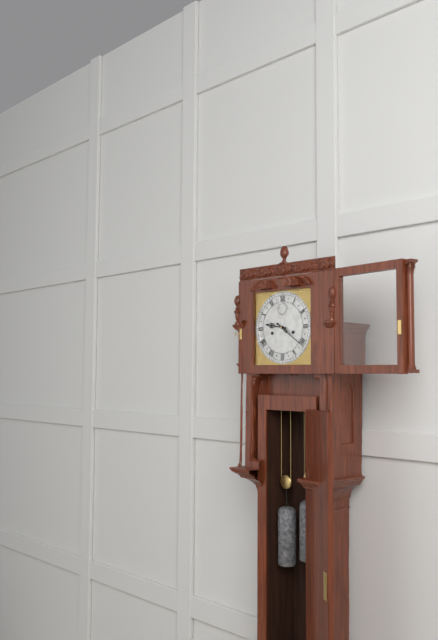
9.21
